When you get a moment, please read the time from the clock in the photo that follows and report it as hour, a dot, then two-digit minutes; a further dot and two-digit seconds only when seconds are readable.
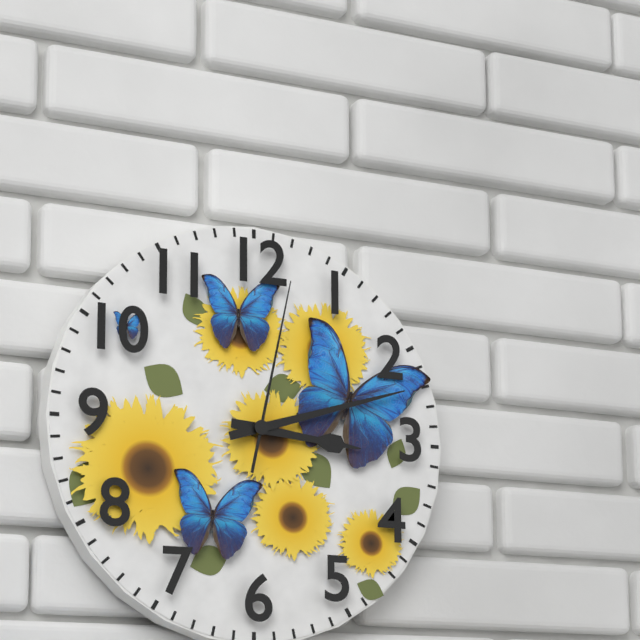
3.12.02
